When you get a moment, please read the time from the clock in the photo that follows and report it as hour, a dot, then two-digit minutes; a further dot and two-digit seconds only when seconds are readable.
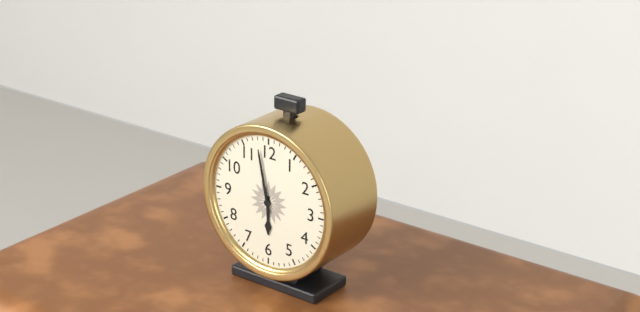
5.58
